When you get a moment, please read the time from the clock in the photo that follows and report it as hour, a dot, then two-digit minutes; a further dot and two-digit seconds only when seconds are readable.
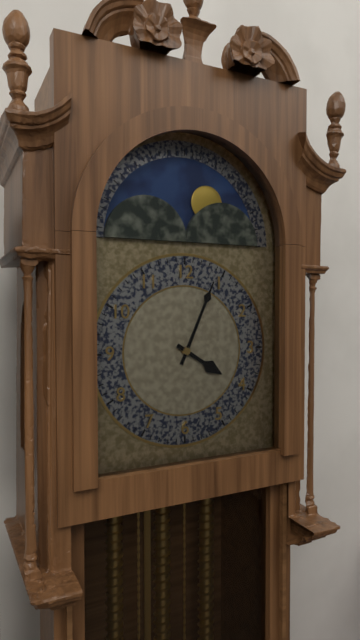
4.04
